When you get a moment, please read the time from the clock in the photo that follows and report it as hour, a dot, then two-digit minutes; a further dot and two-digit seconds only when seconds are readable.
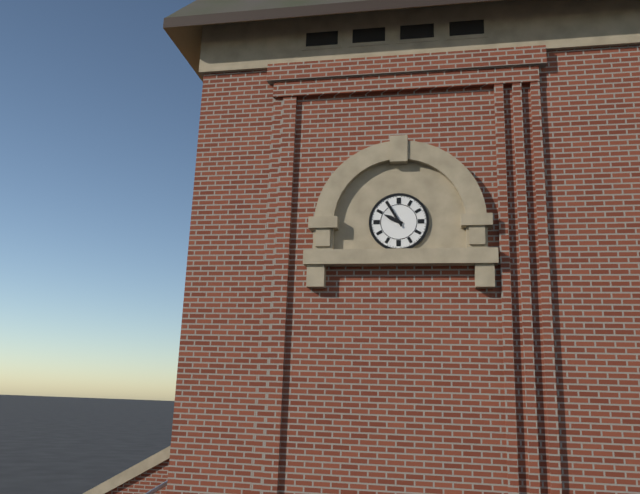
9.55
